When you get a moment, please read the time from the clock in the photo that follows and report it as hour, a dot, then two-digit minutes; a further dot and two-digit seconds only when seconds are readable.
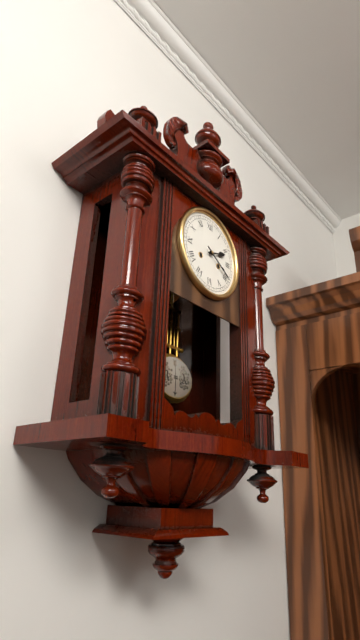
2.20
